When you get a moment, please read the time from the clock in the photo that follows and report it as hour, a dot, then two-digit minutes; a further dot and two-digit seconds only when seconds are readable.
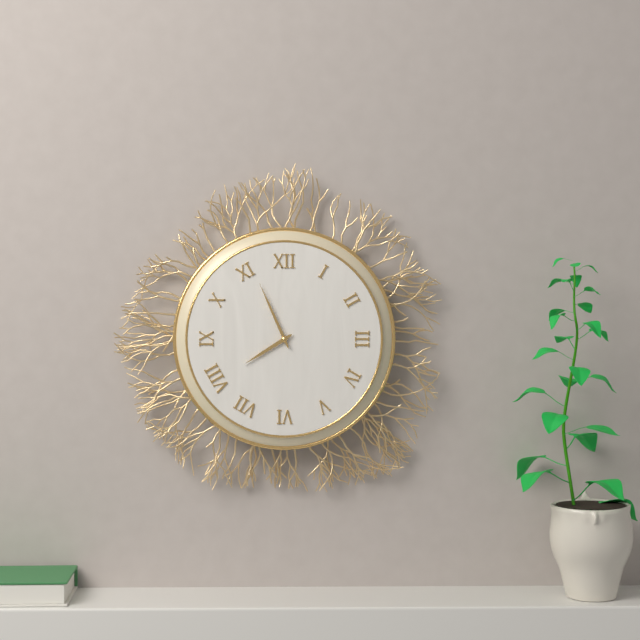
7.56
